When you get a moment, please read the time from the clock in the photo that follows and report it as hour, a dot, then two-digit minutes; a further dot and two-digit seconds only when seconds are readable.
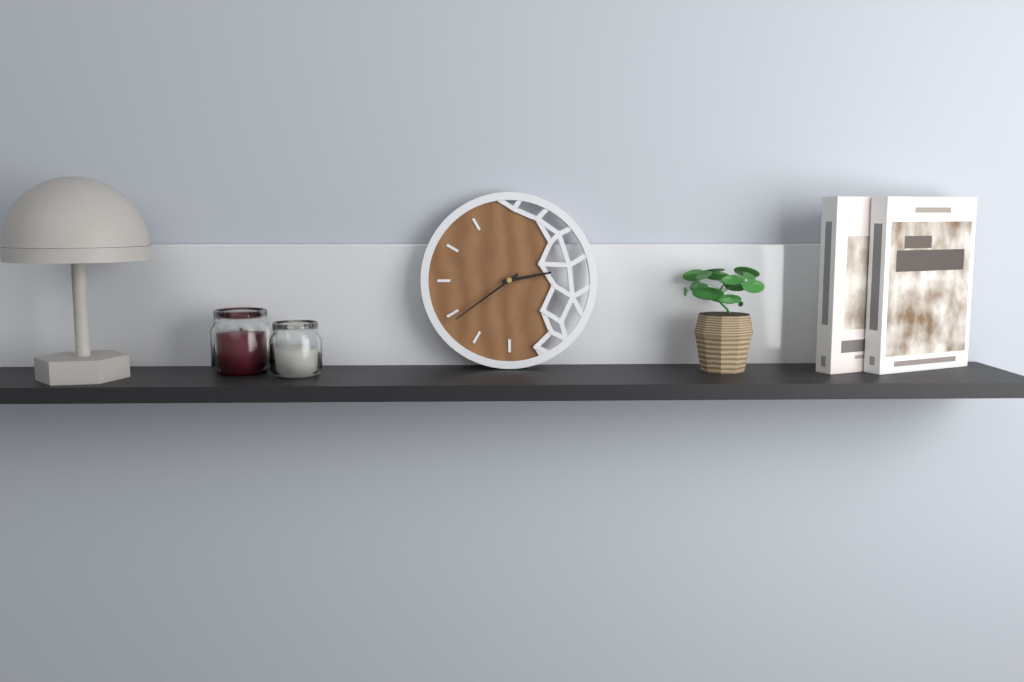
2.39
